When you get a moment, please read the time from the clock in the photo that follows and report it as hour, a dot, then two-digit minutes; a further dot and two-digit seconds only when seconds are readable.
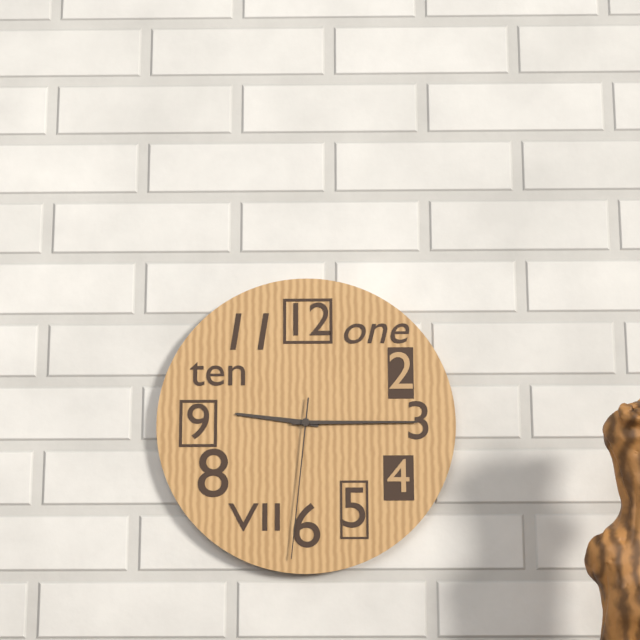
9.15.31
